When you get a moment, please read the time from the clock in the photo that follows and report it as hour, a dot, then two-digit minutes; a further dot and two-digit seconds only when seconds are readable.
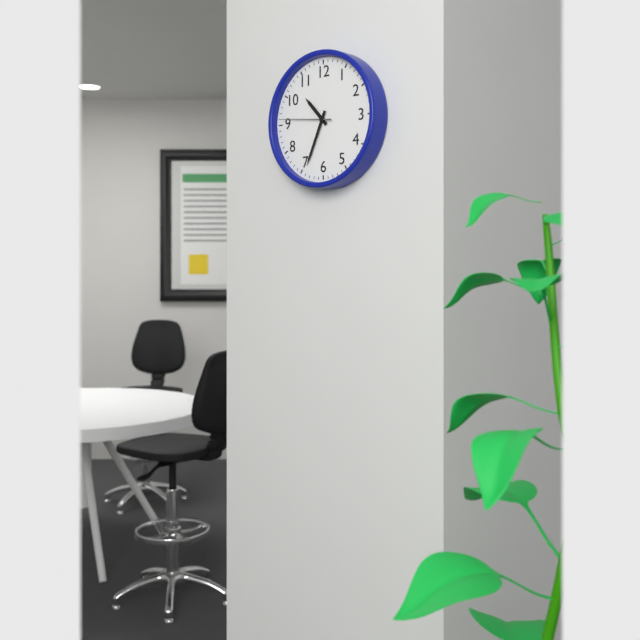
10.34.46
